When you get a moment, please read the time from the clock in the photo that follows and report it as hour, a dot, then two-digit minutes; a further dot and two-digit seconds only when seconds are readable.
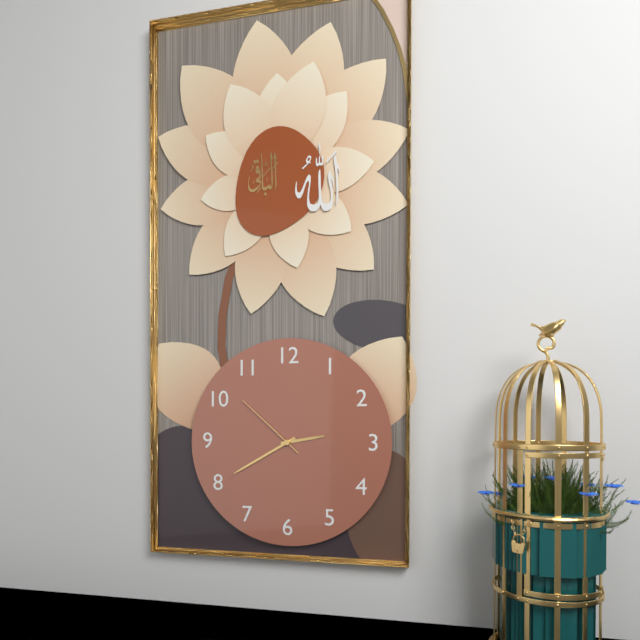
2.40.52
